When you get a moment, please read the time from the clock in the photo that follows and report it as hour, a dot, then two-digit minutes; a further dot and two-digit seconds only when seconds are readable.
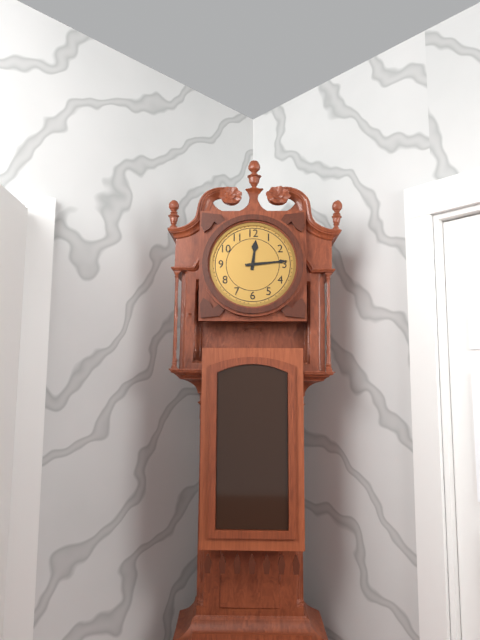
12.14
